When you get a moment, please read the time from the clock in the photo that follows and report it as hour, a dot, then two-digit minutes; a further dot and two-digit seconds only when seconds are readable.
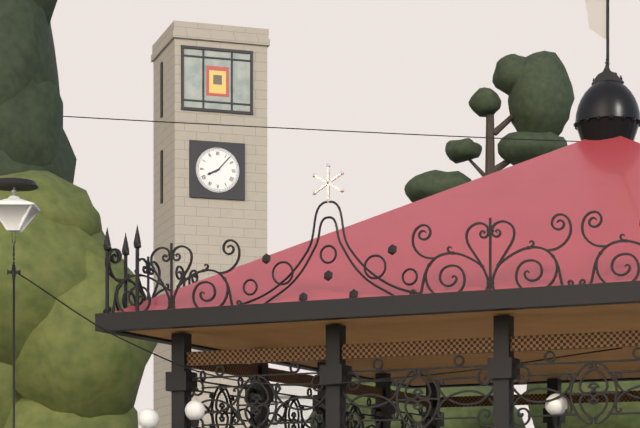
8.07
